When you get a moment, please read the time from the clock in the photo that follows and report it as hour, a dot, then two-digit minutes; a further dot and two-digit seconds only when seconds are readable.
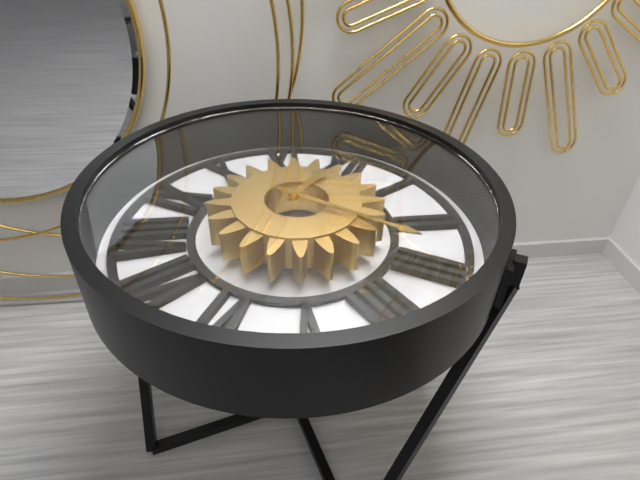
12.16
